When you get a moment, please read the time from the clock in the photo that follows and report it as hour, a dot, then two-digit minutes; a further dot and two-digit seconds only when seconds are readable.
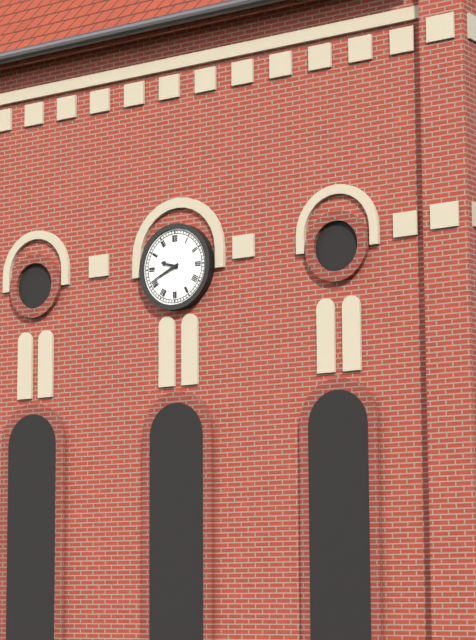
9.41
